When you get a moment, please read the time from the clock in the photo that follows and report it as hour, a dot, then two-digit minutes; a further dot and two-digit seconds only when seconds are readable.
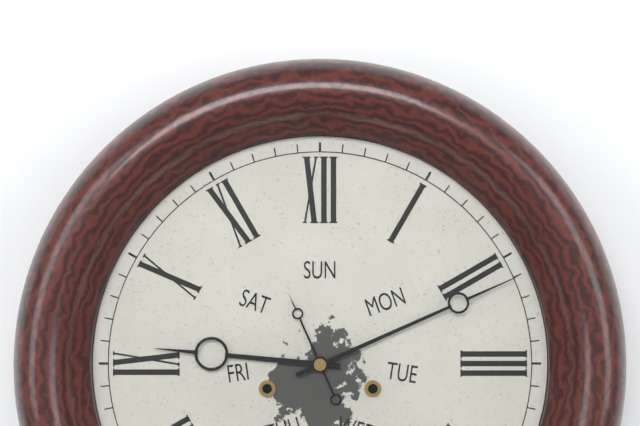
9.11
